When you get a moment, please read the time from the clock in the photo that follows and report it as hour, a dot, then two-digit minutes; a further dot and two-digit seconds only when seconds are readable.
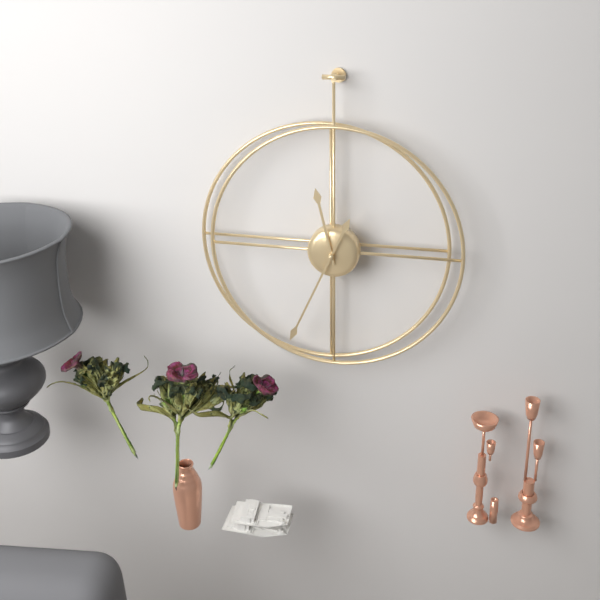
11.34
